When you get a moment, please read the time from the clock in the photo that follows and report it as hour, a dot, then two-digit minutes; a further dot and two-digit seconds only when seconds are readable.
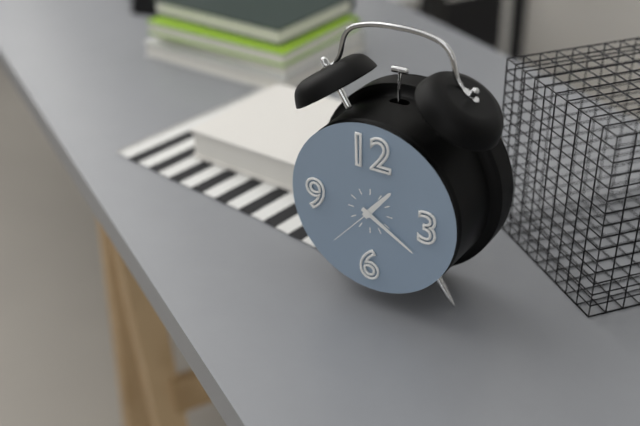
1.20.37
